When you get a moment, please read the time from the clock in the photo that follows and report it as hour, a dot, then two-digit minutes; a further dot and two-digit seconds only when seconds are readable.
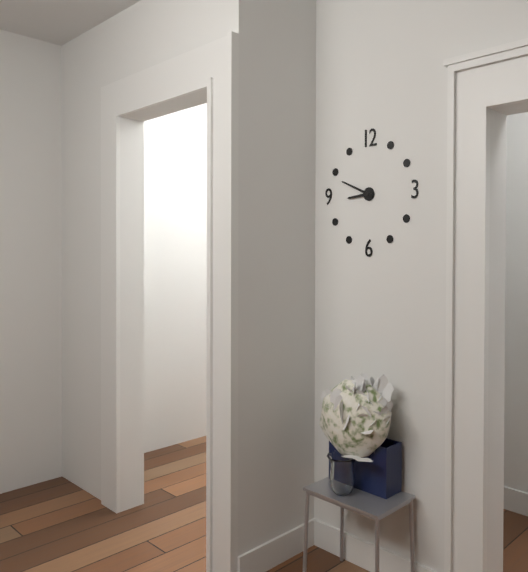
8.49
